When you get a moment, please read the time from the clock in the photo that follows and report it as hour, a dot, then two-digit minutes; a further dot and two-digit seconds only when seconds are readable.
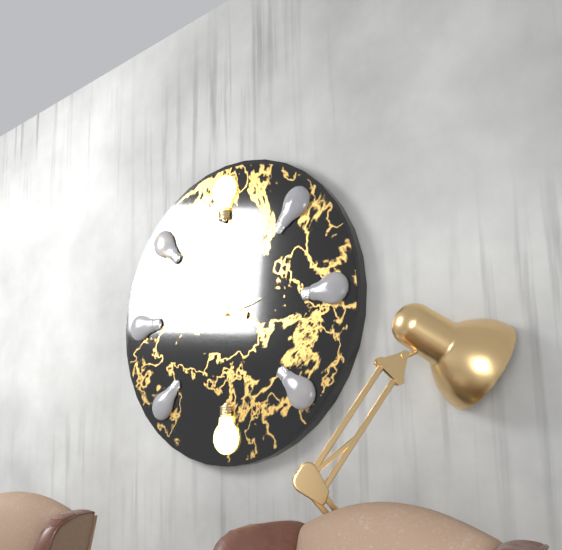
2.48
